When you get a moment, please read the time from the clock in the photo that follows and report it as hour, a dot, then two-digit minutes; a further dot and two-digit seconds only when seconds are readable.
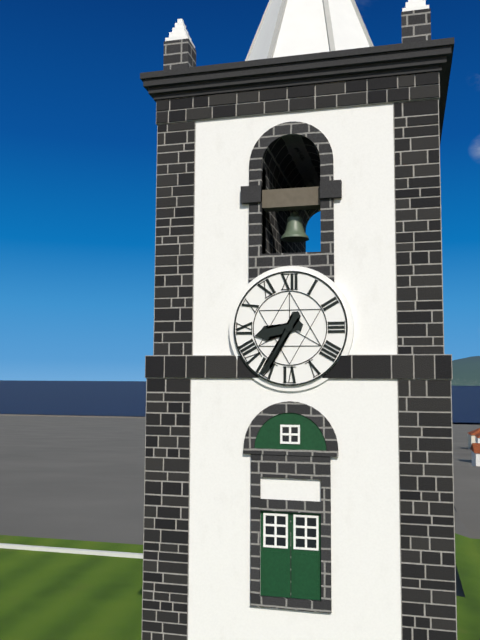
8.35
